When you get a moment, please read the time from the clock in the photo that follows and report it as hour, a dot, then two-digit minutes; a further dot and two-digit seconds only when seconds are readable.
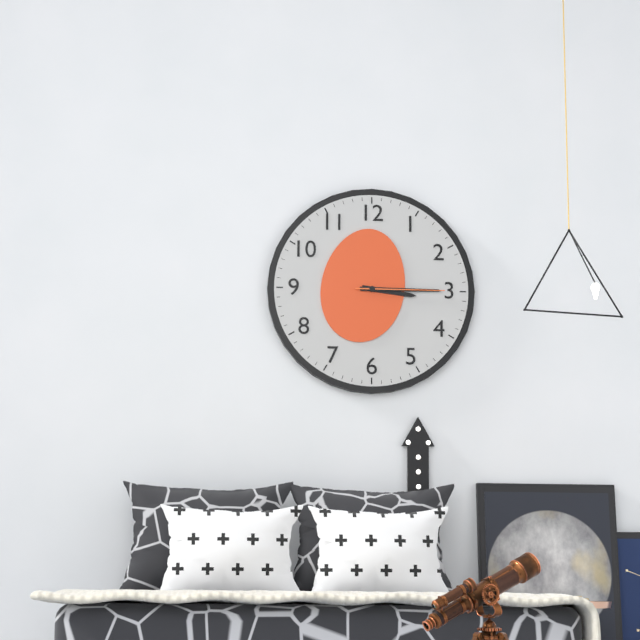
3.15.15
